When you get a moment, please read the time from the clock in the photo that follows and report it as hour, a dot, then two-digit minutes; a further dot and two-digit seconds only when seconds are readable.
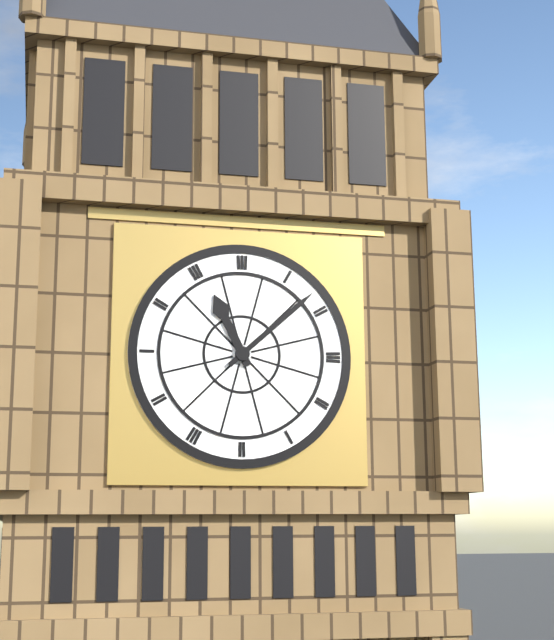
11.08
